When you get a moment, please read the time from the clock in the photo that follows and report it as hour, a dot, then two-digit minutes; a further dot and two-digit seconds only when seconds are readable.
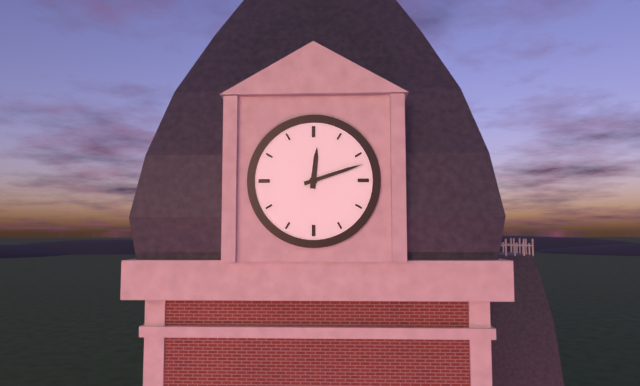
12.12
